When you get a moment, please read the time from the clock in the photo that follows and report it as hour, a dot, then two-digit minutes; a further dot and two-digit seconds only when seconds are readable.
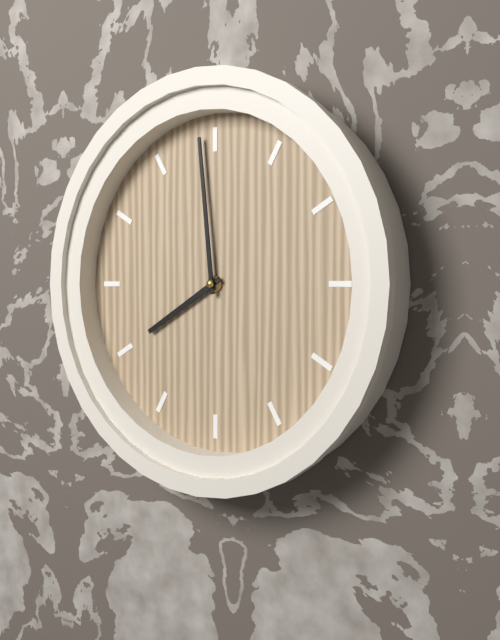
7.59
